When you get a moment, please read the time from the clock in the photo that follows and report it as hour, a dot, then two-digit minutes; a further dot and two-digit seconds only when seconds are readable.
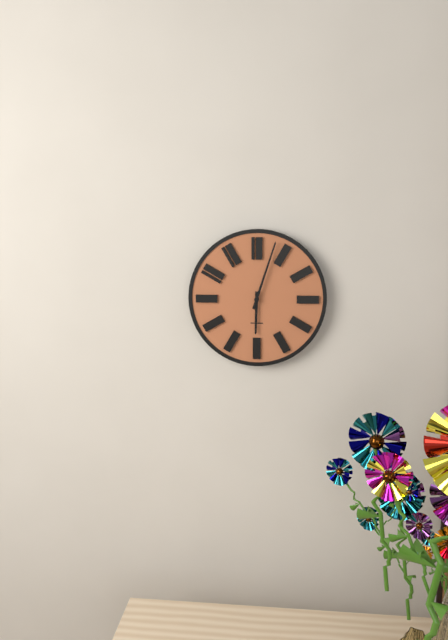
6.03
